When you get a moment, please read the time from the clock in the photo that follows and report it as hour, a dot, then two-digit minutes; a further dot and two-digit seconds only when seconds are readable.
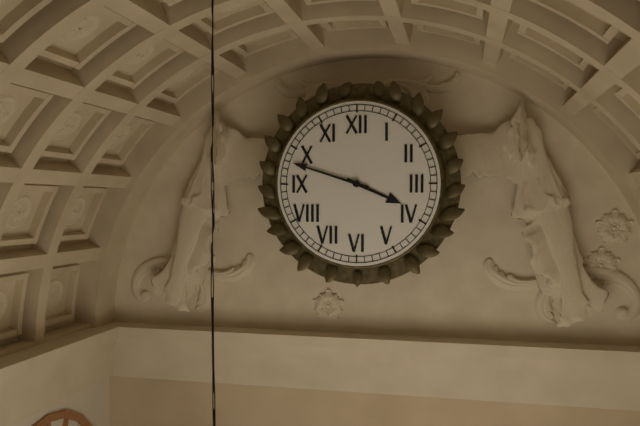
3.48
